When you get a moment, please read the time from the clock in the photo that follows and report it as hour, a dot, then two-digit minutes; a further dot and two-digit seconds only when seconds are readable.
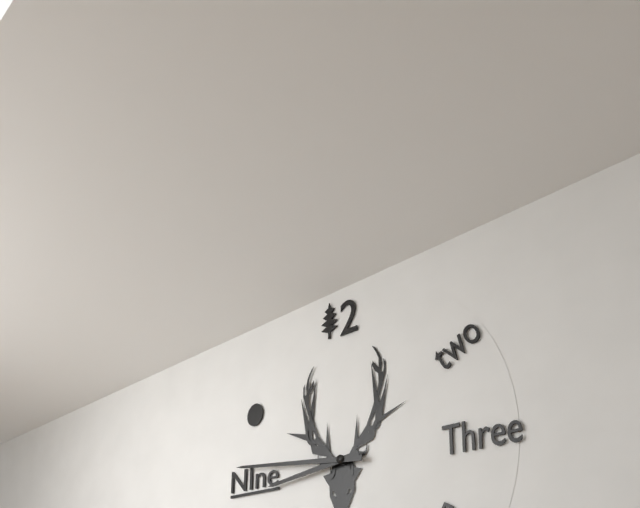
8.46
